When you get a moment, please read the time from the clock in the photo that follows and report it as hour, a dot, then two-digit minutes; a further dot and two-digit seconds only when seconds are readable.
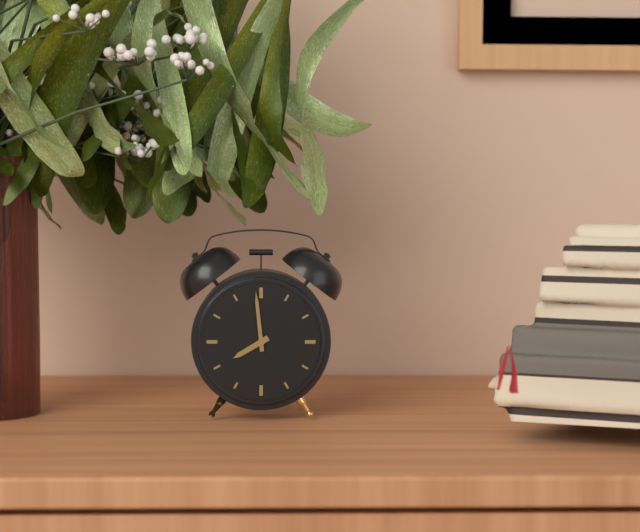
7.59
